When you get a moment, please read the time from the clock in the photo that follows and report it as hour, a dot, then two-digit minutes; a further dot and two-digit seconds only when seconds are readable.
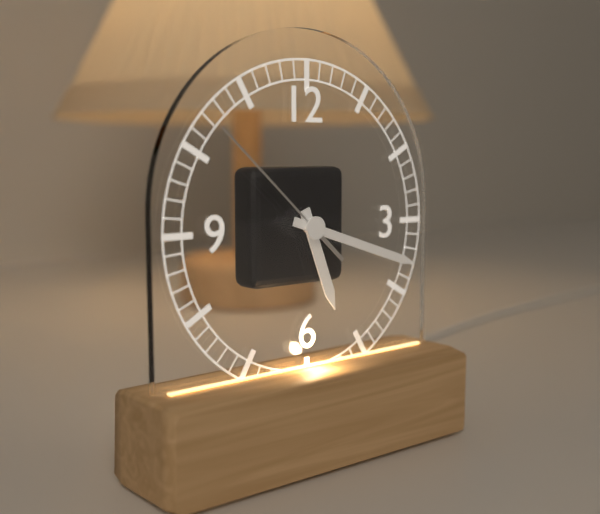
5.18.52
